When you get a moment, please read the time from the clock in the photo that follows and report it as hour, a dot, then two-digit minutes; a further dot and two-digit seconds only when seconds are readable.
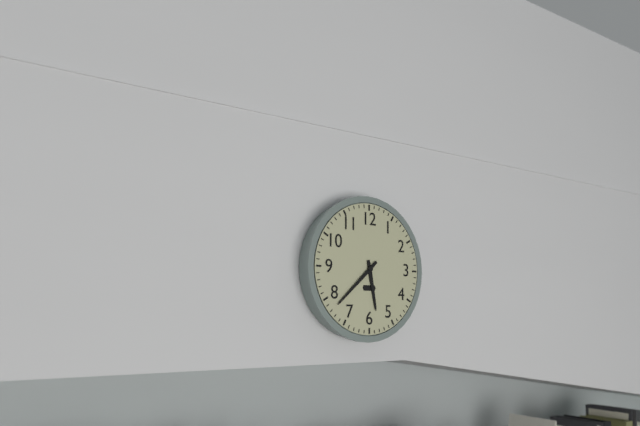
5.38
